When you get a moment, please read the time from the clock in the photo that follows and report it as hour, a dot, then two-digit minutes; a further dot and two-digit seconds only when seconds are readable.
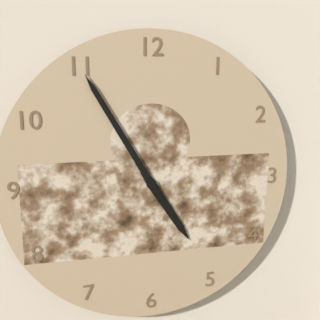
4.55
